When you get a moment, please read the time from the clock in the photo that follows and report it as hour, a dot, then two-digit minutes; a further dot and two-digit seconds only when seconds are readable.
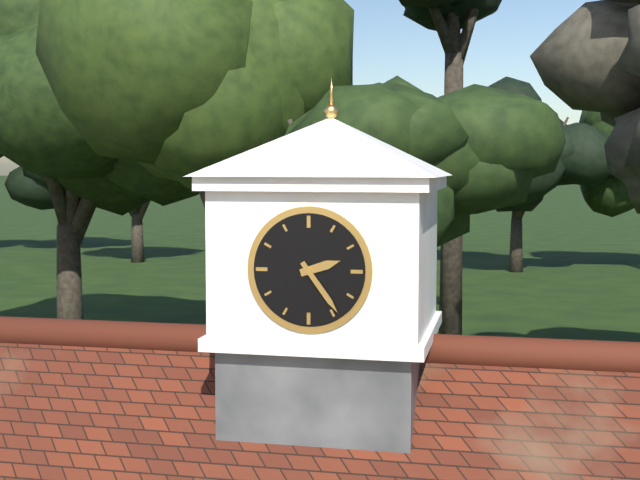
2.24
